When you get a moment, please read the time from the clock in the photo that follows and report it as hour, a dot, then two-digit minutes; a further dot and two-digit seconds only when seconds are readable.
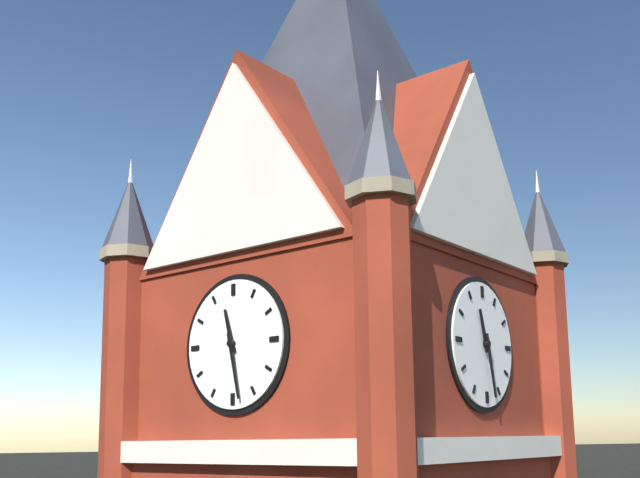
11.28
